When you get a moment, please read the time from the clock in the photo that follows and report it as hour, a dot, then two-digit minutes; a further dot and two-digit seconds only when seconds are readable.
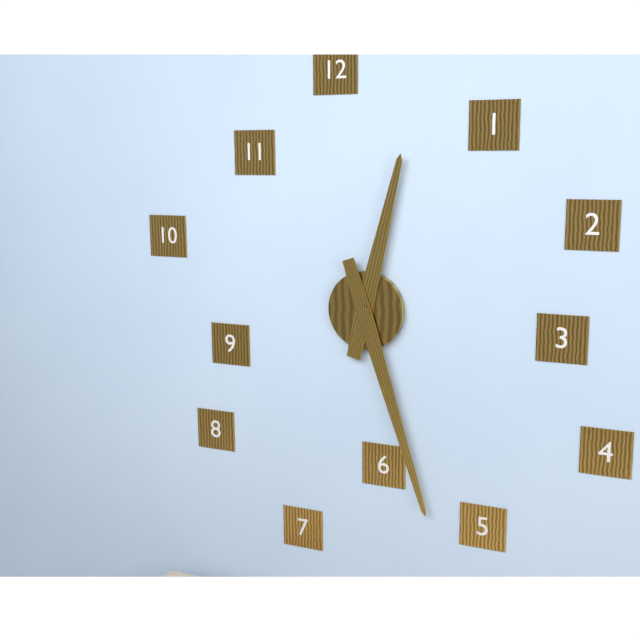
12.27
